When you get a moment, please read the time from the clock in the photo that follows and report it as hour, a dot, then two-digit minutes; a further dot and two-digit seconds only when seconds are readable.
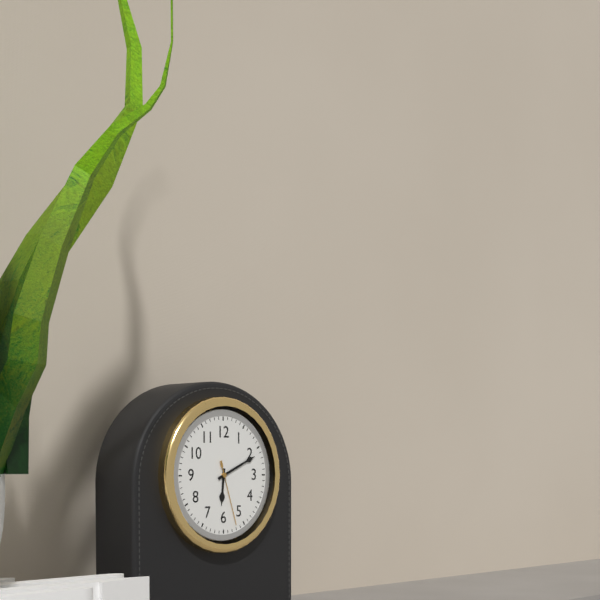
6.11.27
